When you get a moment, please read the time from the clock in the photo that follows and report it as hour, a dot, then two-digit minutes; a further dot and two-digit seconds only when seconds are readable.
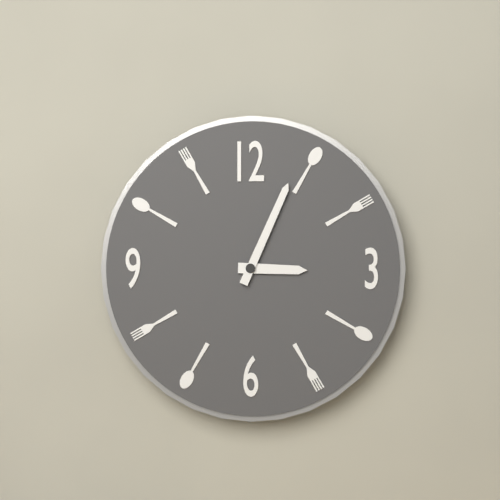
3.04
